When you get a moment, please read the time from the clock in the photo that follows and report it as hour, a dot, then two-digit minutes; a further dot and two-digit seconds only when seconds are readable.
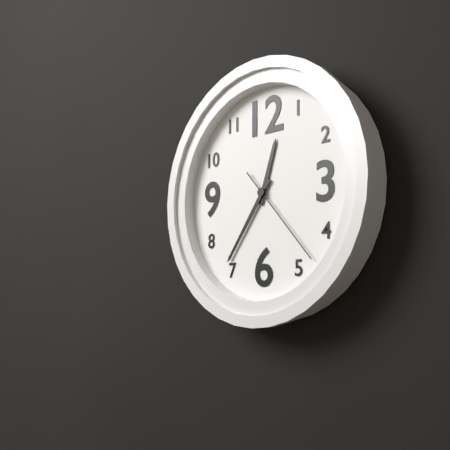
12.36.23
